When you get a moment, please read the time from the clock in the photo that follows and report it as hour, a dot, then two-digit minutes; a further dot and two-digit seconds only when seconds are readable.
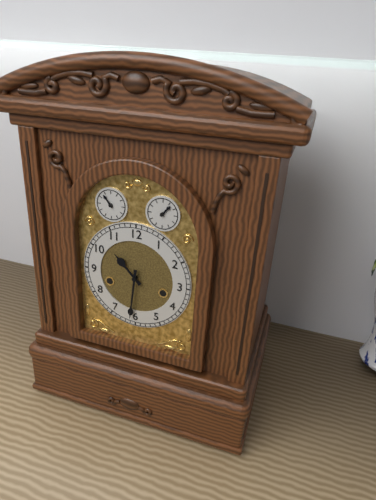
10.31
